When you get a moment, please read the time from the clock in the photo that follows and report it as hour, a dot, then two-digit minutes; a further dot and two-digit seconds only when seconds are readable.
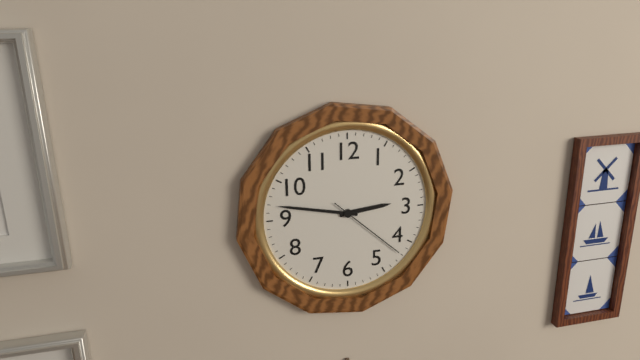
2.47.22
